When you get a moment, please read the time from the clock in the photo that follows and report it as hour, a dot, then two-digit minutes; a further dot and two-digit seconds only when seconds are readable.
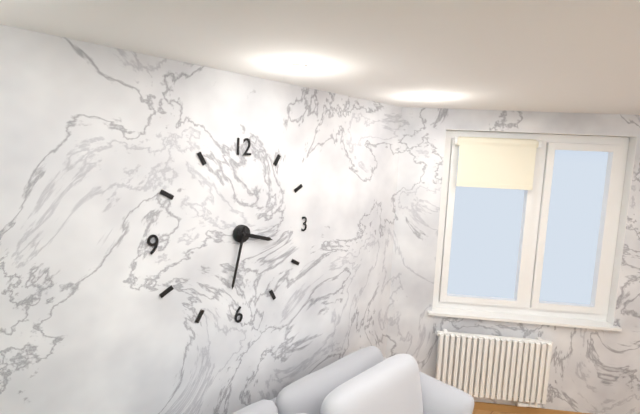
3.32
